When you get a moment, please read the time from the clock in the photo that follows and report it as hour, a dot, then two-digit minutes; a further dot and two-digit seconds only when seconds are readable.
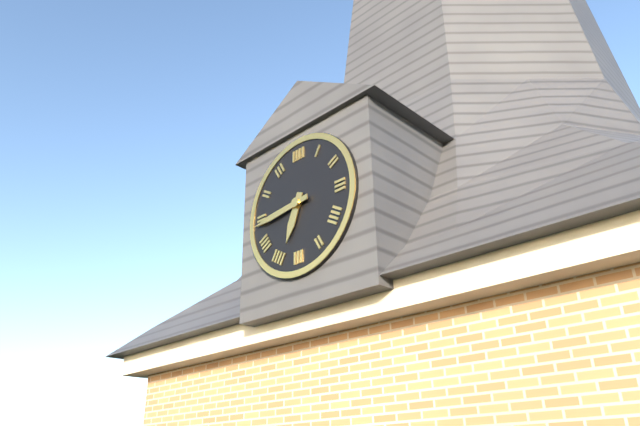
6.44
